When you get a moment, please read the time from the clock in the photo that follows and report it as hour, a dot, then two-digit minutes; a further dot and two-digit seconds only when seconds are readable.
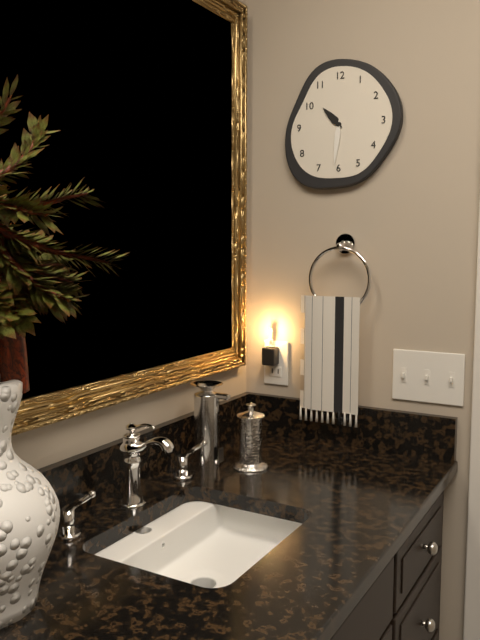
10.31
